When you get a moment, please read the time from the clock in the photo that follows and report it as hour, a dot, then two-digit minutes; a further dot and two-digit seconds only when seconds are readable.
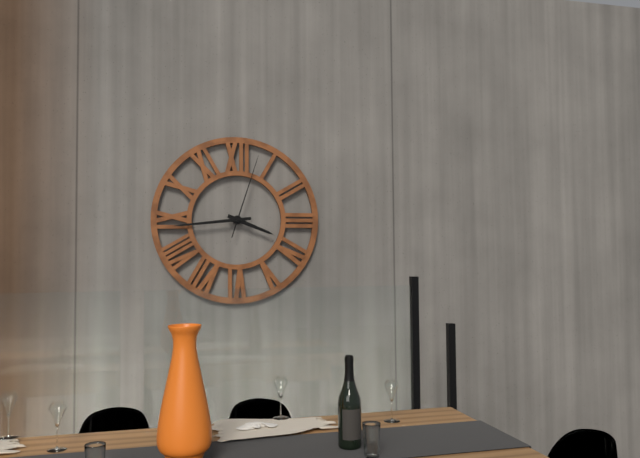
3.44.03
